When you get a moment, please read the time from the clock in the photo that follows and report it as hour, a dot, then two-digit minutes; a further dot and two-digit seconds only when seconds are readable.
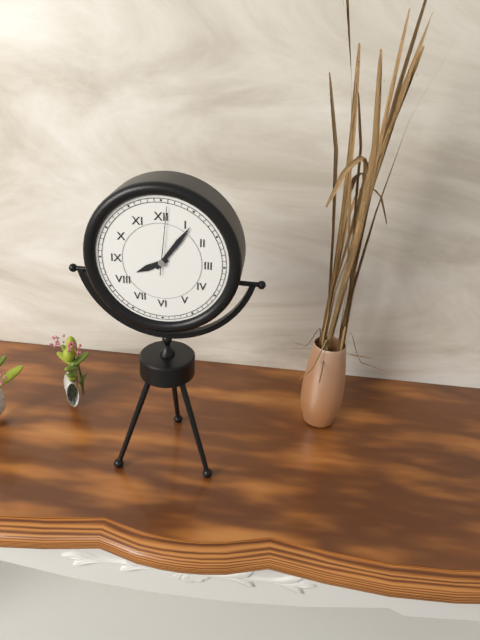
8.06.01
